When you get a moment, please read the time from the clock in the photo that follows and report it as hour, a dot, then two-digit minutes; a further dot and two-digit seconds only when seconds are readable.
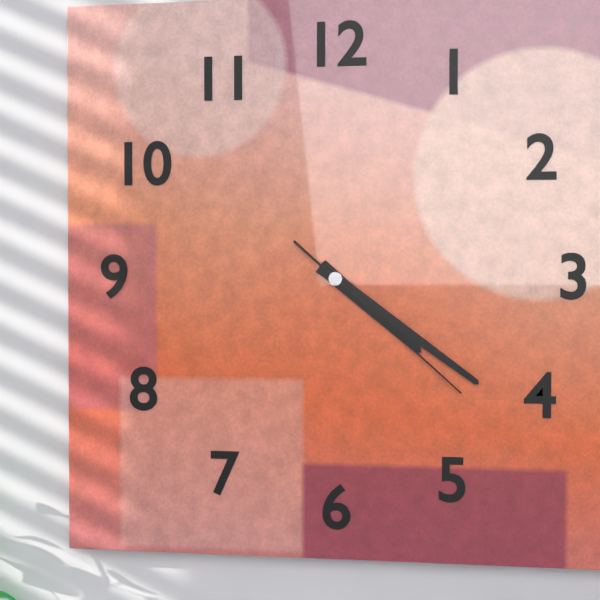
4.21.22
